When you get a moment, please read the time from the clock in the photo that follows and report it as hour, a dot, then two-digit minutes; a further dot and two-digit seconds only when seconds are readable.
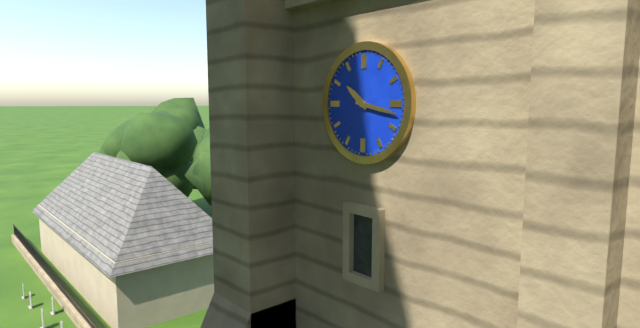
10.17
